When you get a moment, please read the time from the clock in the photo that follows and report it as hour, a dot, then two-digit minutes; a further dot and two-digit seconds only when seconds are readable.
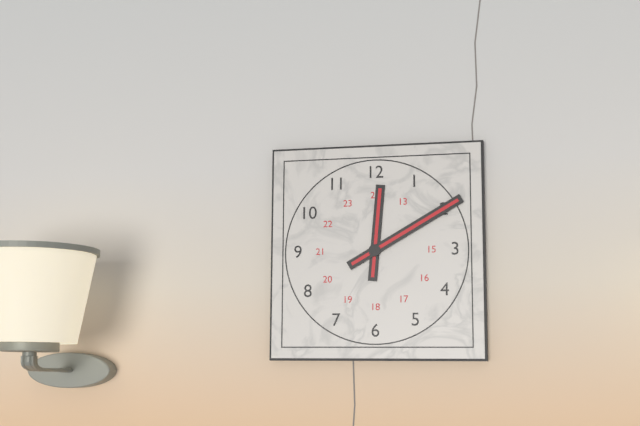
12.10
